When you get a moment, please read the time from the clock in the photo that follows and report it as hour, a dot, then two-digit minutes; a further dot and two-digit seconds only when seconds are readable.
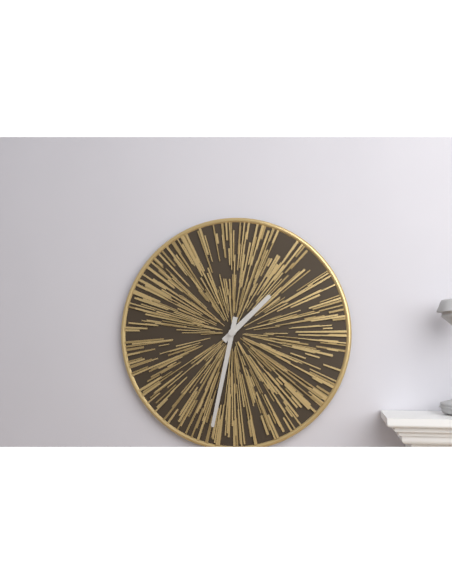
1.32
